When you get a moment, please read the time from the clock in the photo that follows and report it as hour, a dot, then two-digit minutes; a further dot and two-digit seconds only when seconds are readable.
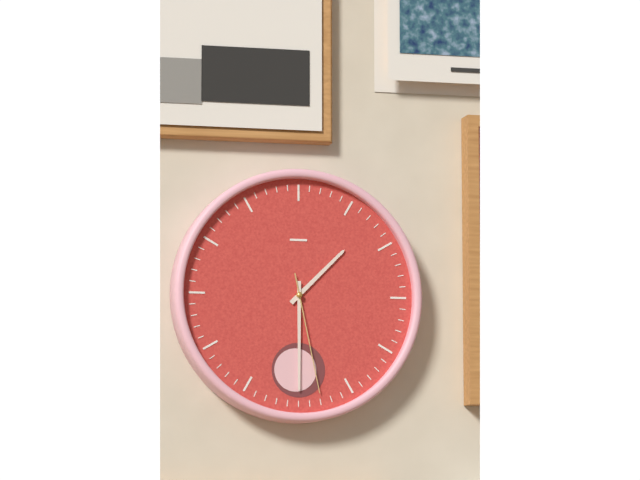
1.30.28
